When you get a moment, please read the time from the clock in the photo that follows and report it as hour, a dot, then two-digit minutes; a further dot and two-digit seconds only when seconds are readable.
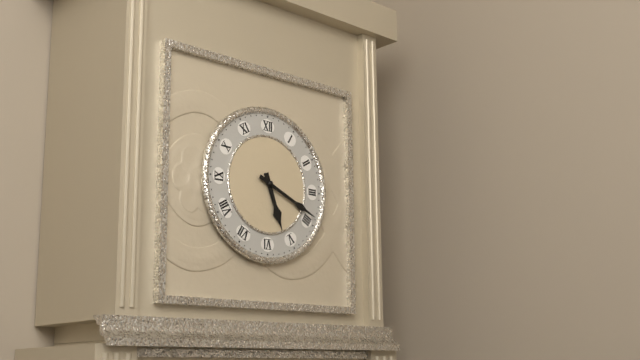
5.19
